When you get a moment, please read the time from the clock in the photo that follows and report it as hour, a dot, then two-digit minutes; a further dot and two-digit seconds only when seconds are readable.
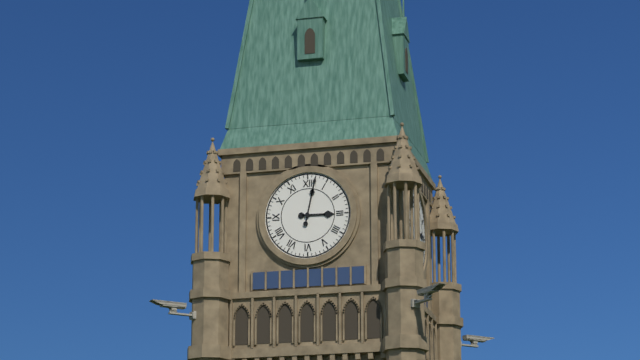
3.02
